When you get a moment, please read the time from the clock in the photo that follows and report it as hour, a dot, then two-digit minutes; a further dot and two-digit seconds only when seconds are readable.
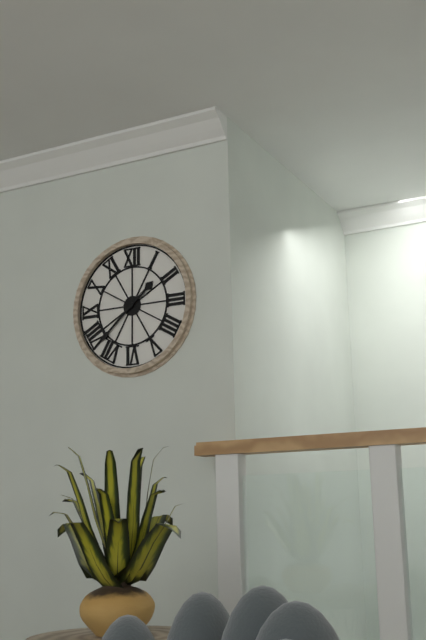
1.38
